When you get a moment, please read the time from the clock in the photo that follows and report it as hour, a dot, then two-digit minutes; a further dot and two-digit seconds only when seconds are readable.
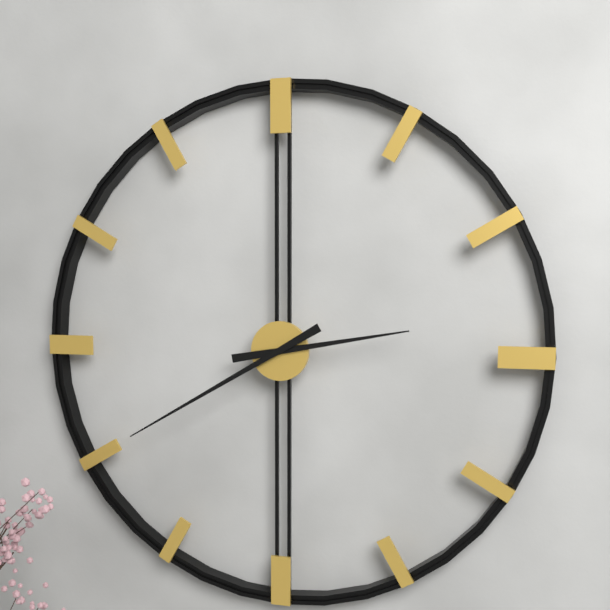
2.40
